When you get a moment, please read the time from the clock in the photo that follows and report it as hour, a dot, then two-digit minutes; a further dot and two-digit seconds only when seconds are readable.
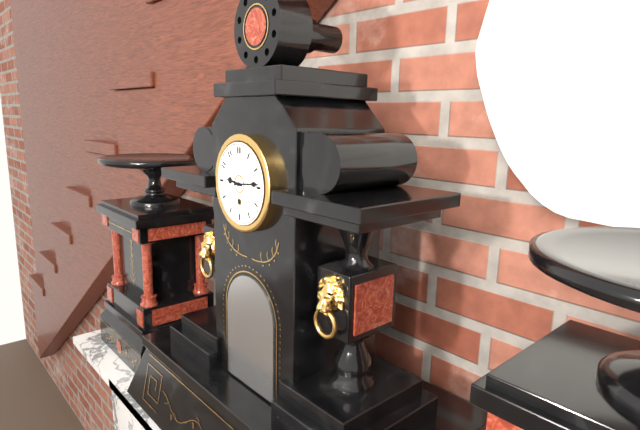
9.14
